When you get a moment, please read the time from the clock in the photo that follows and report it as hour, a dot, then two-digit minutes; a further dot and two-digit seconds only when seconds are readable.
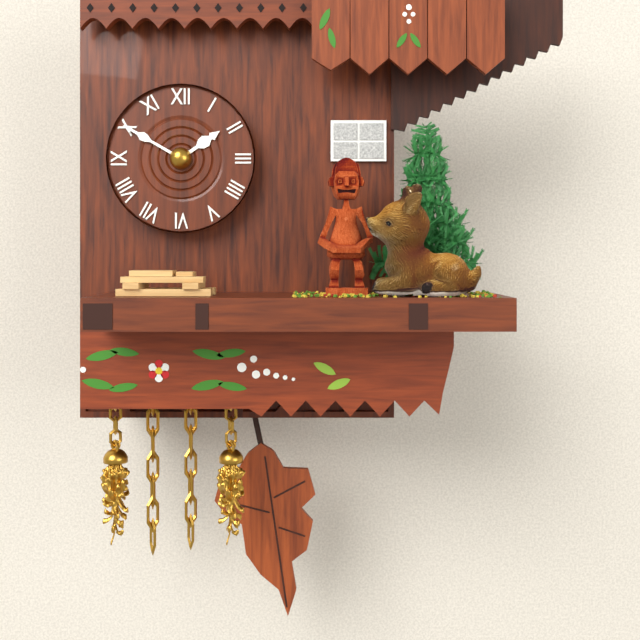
1.50
